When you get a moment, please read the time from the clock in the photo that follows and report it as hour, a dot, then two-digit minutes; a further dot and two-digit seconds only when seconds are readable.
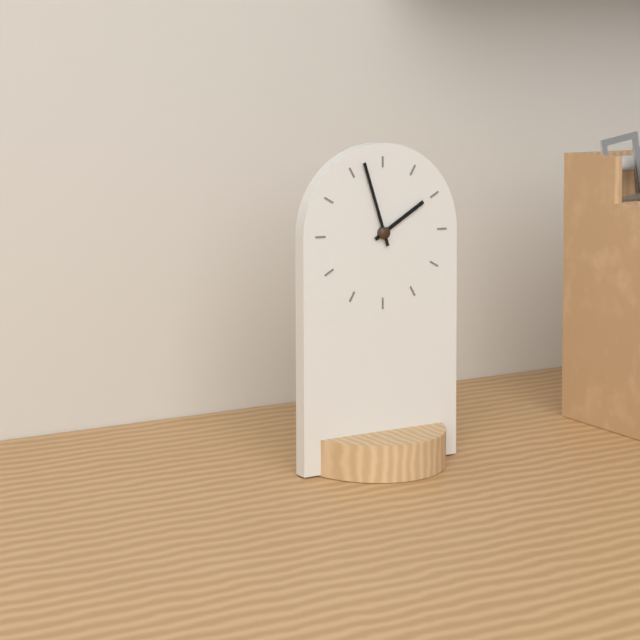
1.57
